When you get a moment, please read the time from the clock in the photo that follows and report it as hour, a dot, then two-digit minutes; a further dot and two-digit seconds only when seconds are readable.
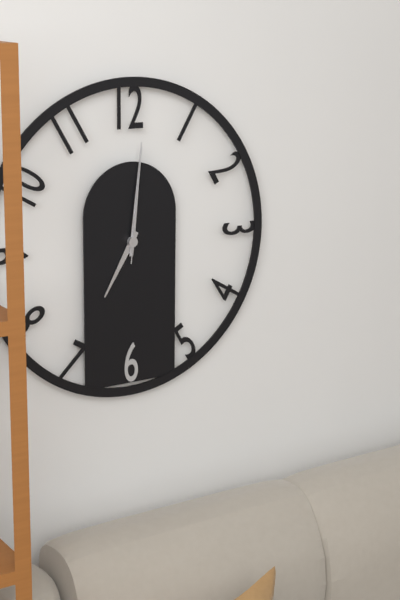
7.01.01
